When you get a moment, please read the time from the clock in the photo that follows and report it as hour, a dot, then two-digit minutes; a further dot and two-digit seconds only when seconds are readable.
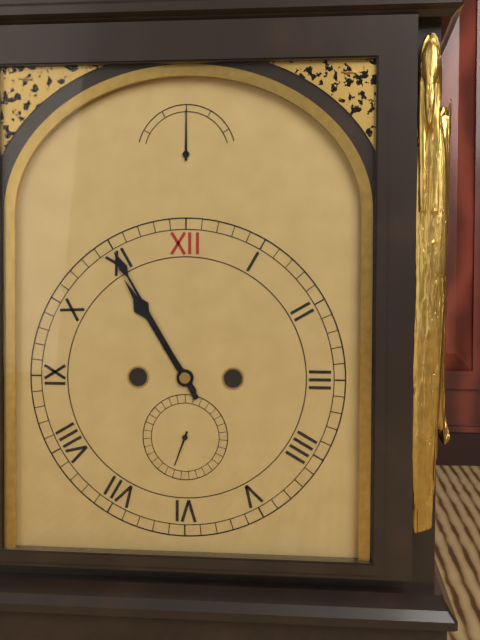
10.55
